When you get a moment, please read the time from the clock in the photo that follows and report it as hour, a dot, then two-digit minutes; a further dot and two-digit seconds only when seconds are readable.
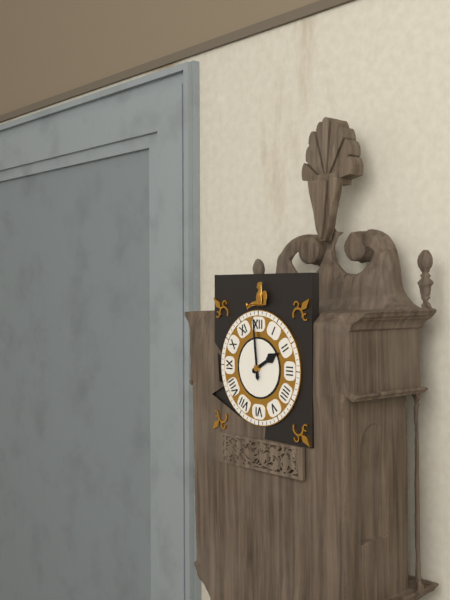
1.59
